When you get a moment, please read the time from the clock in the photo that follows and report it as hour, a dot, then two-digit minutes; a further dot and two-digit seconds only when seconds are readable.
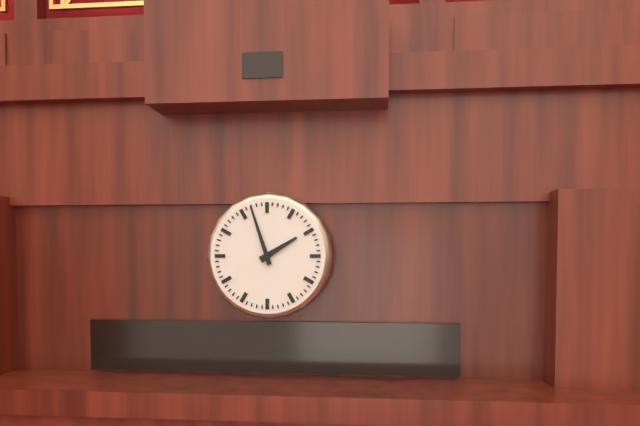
1.57
